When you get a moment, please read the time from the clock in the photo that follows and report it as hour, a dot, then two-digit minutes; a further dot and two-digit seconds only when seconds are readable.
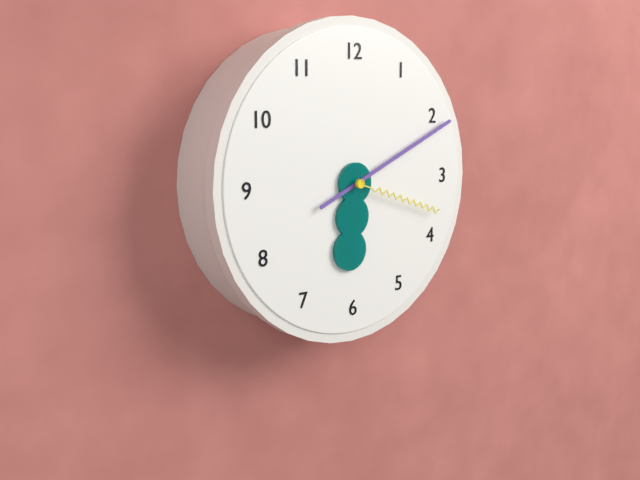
6.11.18
